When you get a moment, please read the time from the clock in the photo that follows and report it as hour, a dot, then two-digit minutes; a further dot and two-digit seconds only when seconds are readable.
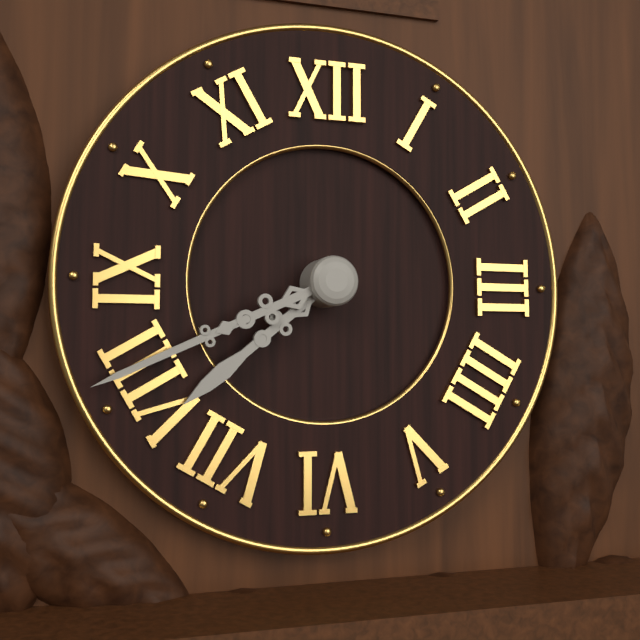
7.41
